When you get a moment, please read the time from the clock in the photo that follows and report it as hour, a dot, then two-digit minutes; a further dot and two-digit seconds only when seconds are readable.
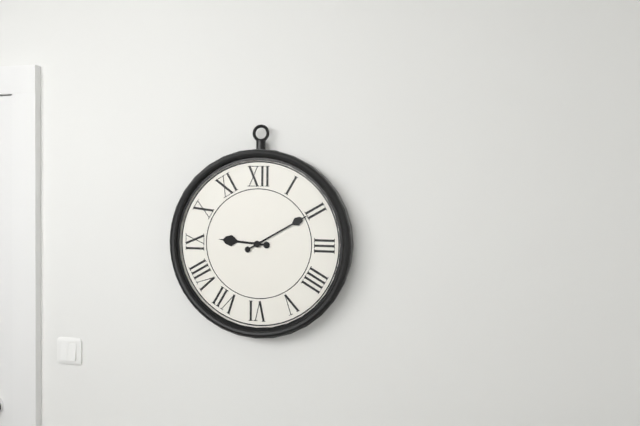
9.10
